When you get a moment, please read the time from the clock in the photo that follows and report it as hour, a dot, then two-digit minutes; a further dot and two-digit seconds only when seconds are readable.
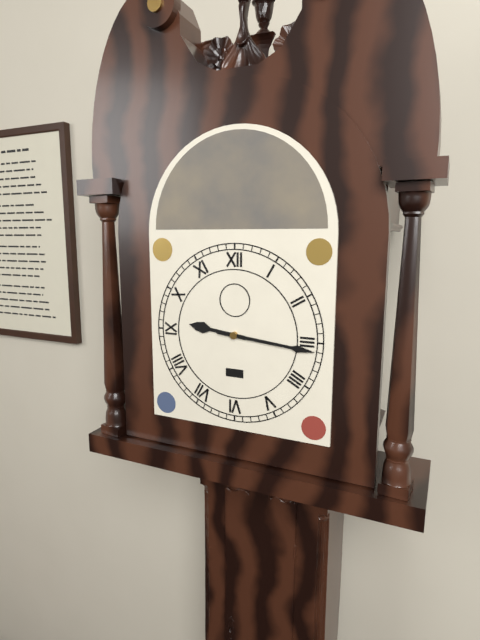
9.16
